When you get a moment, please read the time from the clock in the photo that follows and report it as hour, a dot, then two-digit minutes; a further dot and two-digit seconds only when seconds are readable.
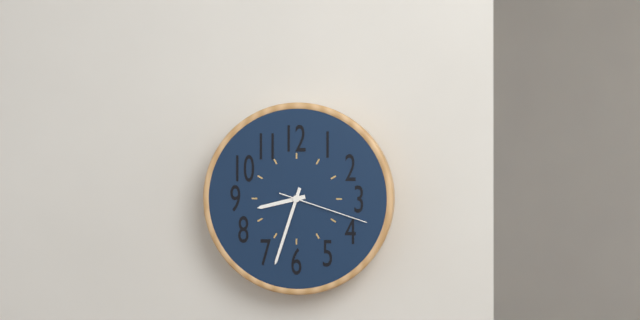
8.33.18
